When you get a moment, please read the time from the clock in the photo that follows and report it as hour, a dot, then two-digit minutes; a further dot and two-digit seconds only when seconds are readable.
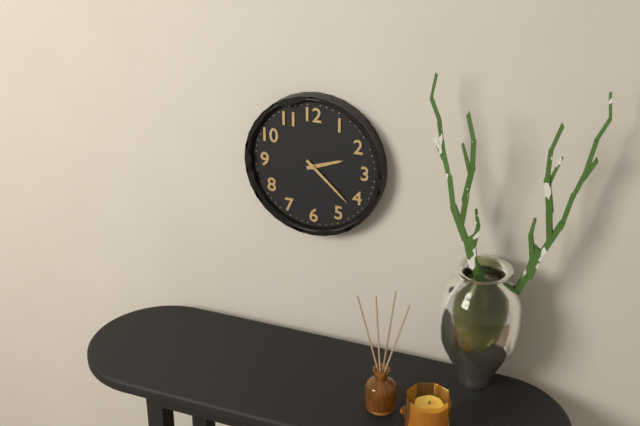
2.22
